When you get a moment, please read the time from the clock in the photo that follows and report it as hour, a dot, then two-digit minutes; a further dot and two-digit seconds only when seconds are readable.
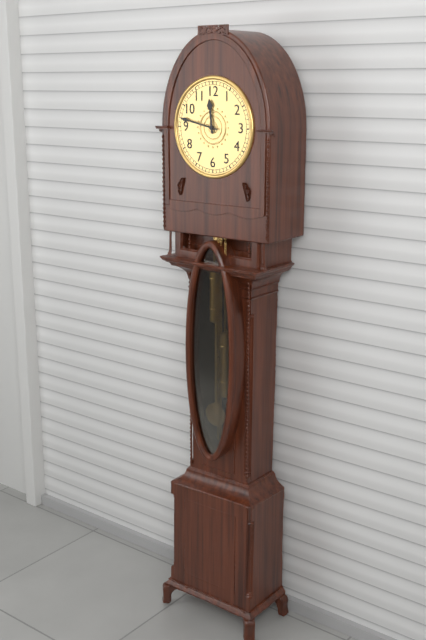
11.47
